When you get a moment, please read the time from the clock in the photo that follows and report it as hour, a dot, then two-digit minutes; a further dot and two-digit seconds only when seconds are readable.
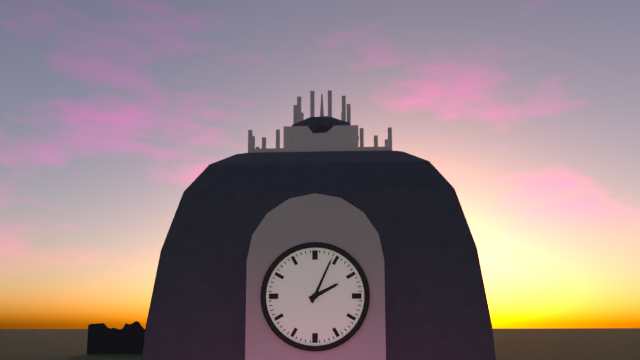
2.04
